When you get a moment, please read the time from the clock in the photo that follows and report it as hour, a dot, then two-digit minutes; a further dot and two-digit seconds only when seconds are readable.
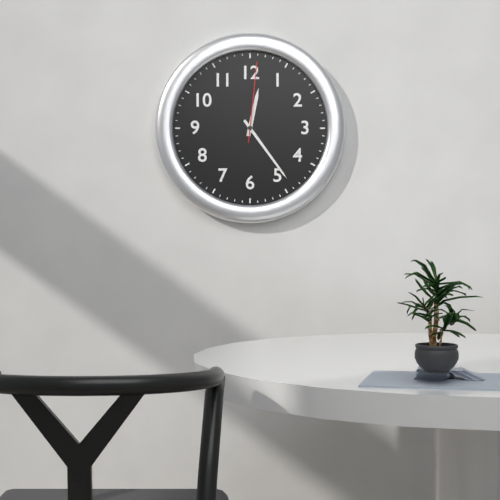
12.24.01
